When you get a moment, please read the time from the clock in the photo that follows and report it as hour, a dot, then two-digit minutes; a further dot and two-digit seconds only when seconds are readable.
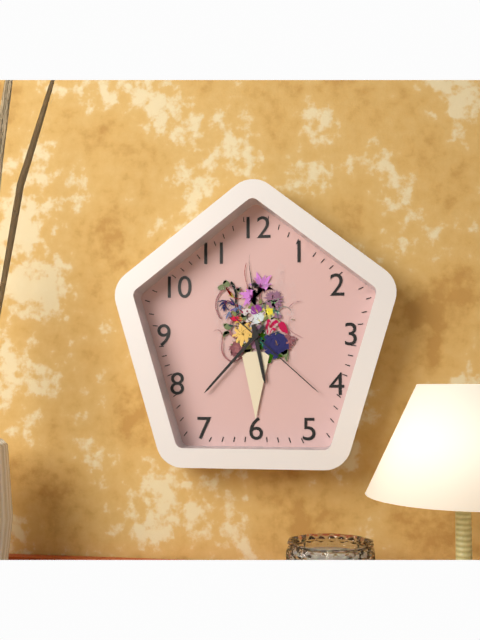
5.37.22
